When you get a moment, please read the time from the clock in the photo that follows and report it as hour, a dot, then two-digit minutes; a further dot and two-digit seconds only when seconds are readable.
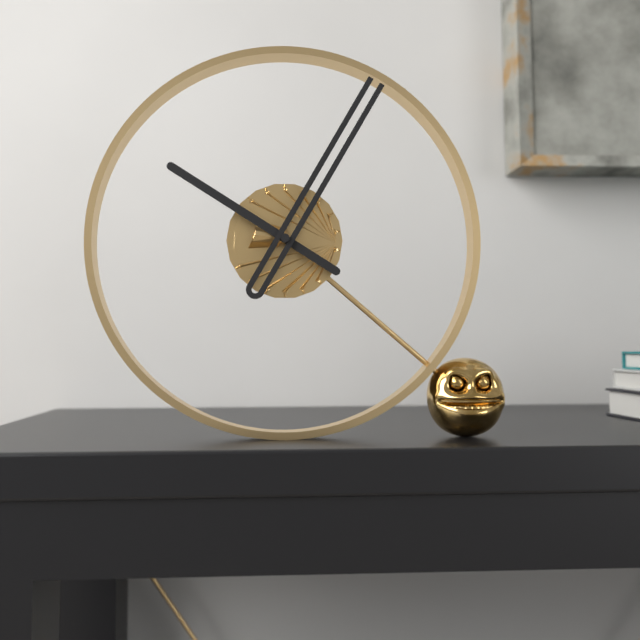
10.05
